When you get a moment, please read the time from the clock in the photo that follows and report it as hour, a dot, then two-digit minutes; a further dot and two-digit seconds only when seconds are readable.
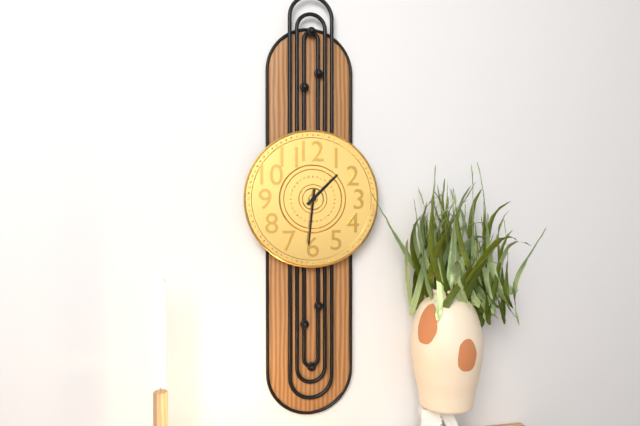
1.31
